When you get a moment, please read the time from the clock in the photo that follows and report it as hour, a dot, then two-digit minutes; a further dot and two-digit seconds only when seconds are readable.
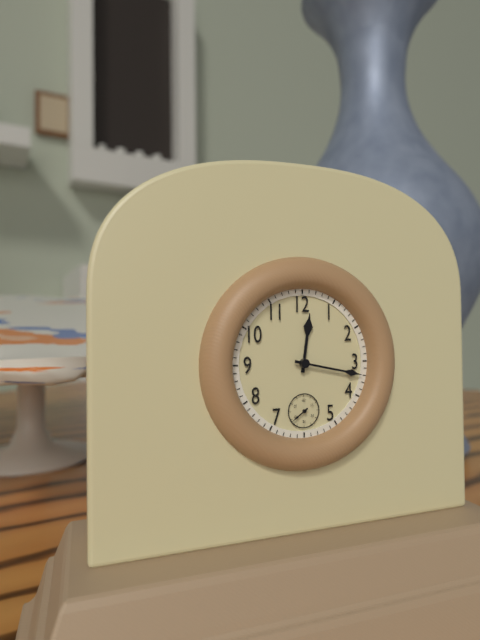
12.17
